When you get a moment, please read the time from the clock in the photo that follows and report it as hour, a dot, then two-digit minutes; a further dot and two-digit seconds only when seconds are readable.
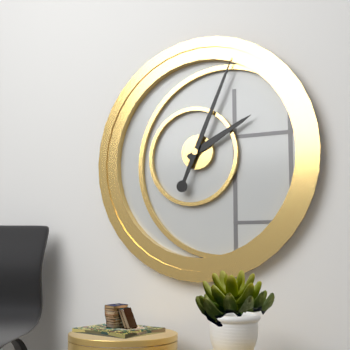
2.04
